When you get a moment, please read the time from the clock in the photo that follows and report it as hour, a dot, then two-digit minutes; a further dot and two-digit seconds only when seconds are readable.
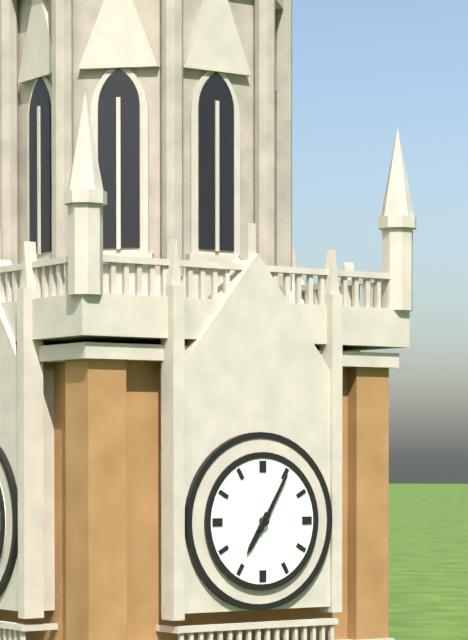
7.05
